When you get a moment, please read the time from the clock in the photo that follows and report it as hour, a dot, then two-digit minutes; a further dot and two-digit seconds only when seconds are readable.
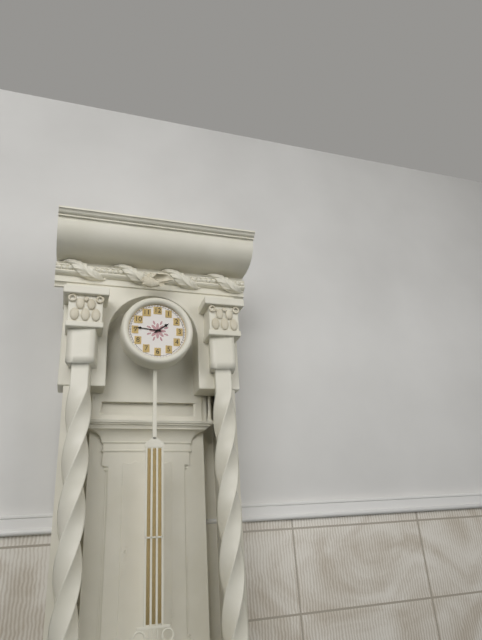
1.46
